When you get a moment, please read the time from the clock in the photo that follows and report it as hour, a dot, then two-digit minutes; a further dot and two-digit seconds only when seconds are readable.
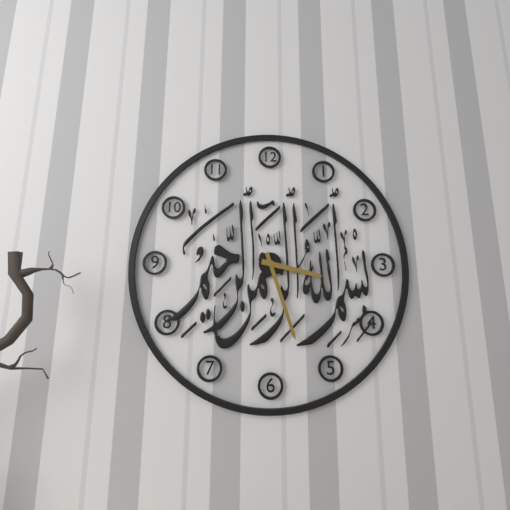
3.27
